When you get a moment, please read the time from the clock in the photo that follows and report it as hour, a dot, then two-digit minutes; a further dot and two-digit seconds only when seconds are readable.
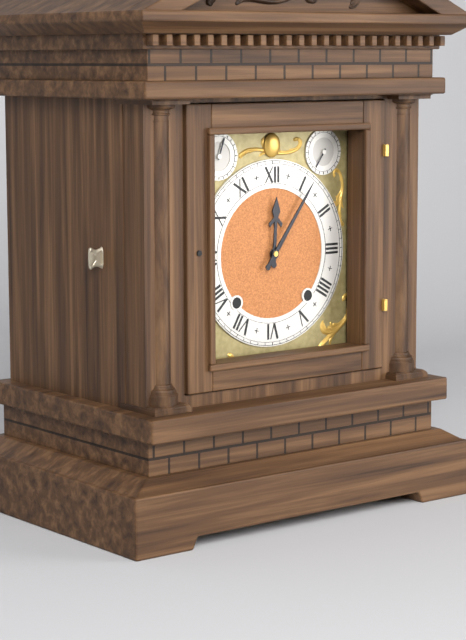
12.06
